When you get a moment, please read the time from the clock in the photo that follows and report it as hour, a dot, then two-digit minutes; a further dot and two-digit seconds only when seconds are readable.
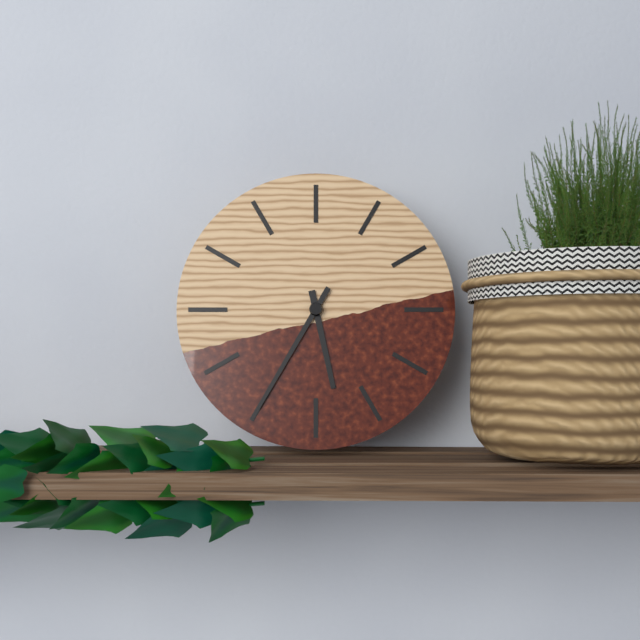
5.35
